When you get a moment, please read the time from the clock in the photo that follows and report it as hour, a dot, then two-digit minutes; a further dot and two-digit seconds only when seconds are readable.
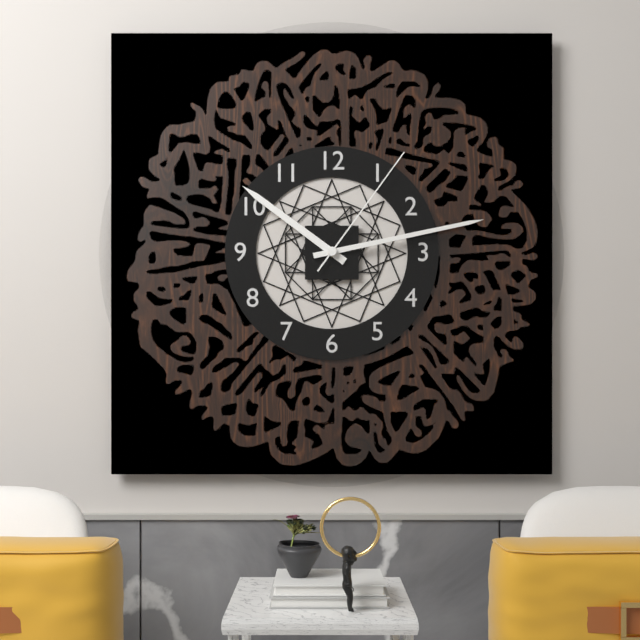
10.13.06
